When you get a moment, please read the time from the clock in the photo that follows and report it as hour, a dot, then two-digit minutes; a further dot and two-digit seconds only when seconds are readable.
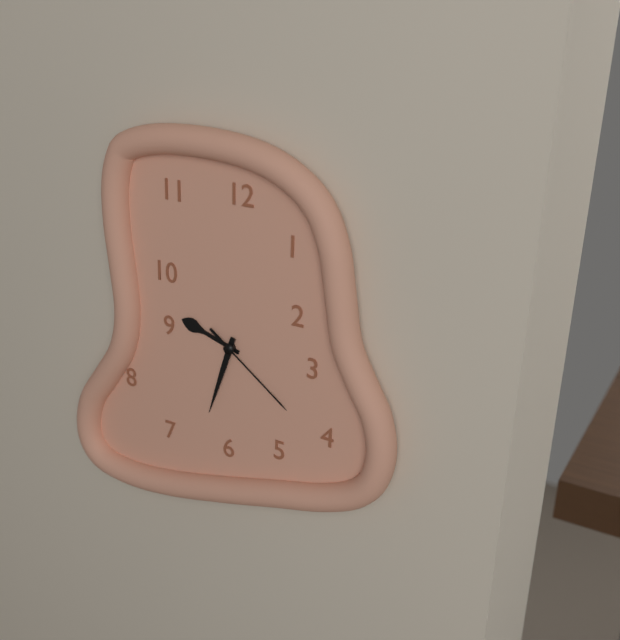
9.33.21
